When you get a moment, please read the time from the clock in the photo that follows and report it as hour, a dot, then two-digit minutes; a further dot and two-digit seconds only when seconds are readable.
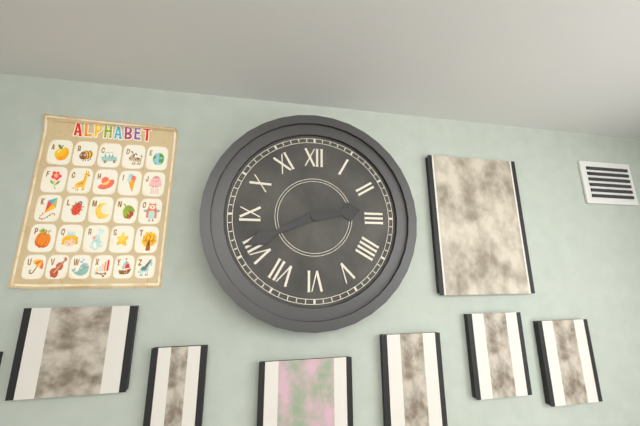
2.41
